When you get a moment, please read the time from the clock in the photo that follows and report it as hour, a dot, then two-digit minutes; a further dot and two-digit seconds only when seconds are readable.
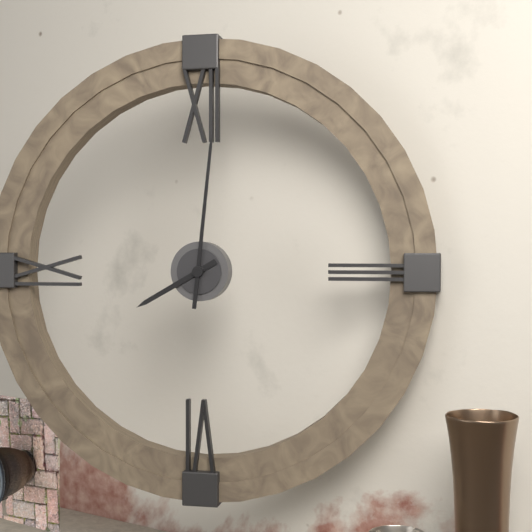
8.01
